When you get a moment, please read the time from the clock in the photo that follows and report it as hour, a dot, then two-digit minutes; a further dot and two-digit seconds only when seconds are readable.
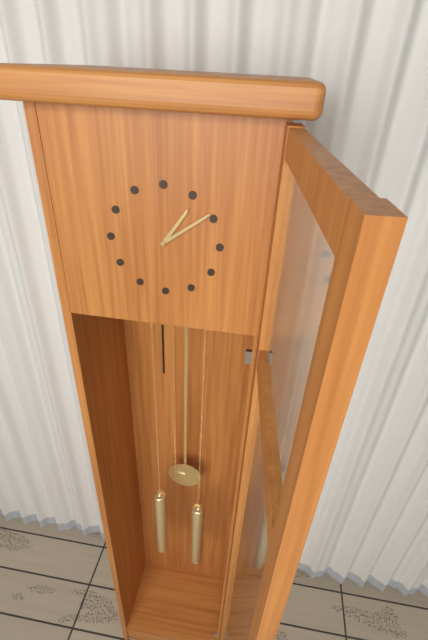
1.09
